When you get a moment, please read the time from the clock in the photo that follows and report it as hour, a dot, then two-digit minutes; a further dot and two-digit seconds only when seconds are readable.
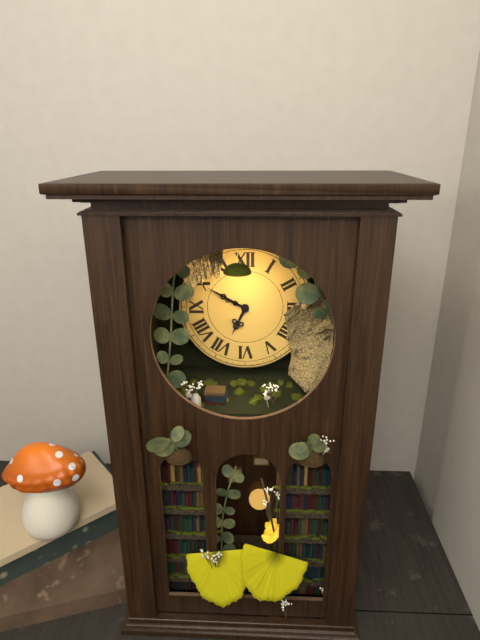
6.50
